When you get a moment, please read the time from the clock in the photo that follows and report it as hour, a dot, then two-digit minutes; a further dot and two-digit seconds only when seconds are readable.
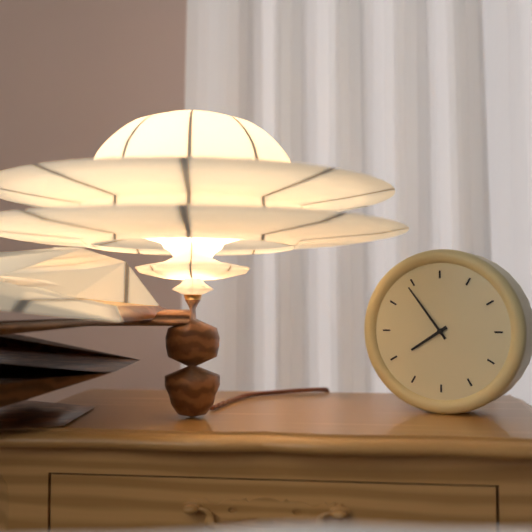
7.54
